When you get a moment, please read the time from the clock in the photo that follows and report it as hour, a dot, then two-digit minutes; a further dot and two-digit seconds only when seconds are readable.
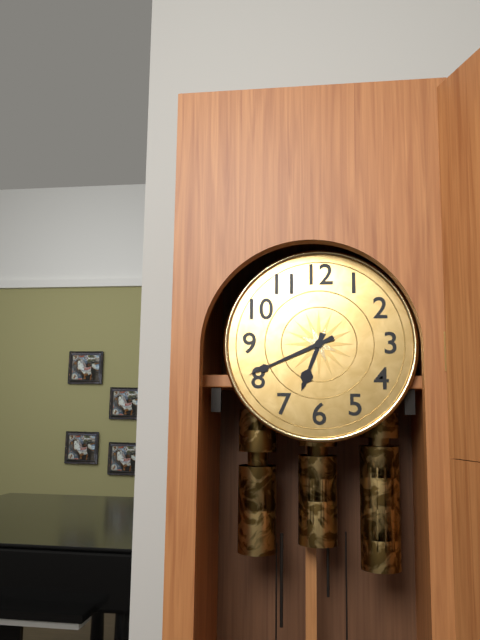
6.41
